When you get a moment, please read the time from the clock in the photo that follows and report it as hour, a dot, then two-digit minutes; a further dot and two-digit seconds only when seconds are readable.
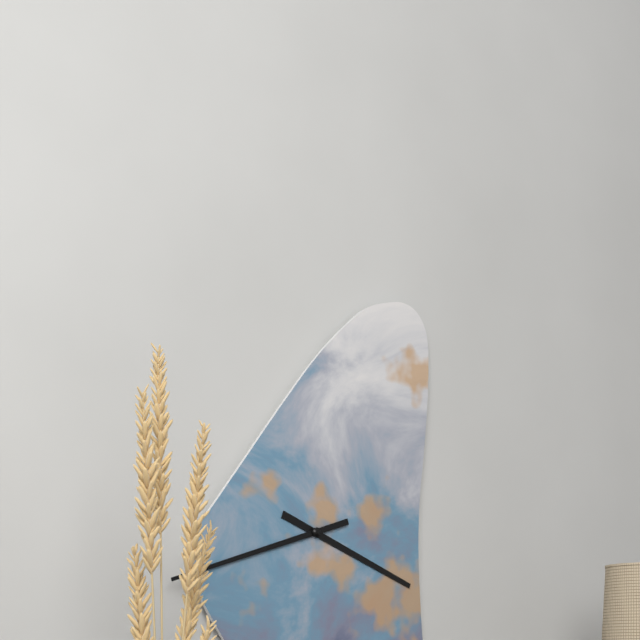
3.42
